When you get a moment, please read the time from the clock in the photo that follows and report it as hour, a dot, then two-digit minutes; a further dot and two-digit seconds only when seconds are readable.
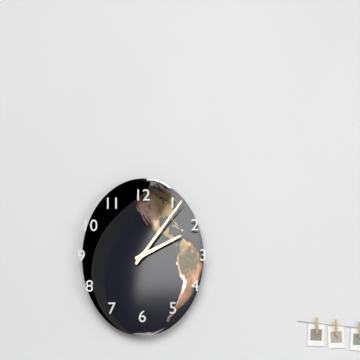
2.06
